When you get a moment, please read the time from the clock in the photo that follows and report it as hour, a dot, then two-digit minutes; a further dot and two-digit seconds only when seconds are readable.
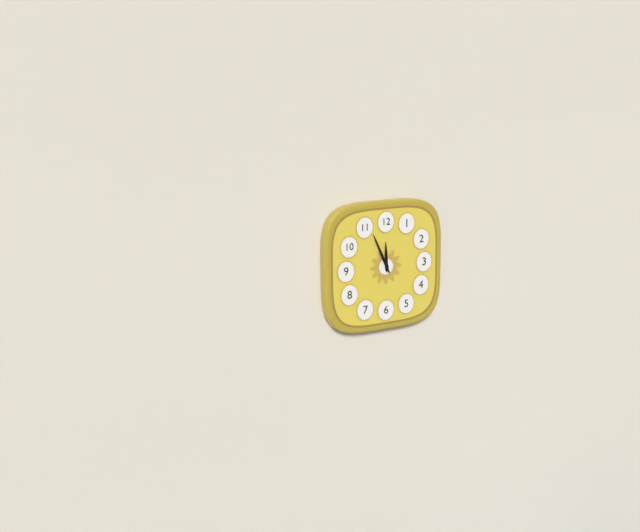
11.56
